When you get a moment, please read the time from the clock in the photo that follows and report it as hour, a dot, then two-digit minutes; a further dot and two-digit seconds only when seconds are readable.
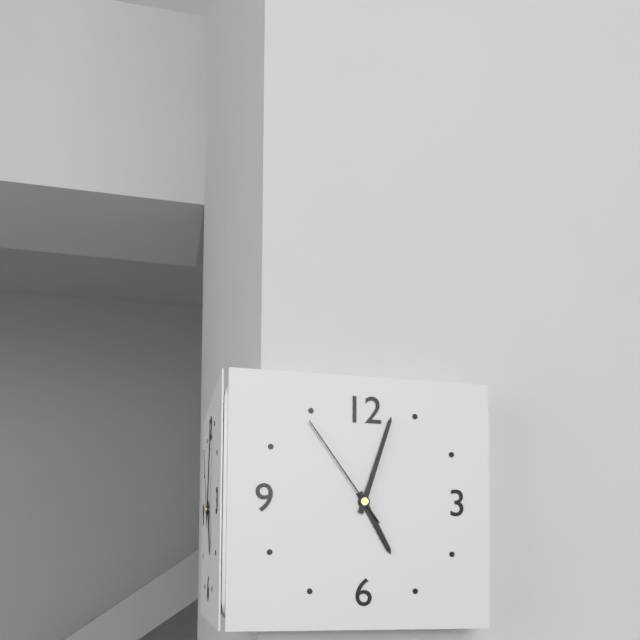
5.03.54
